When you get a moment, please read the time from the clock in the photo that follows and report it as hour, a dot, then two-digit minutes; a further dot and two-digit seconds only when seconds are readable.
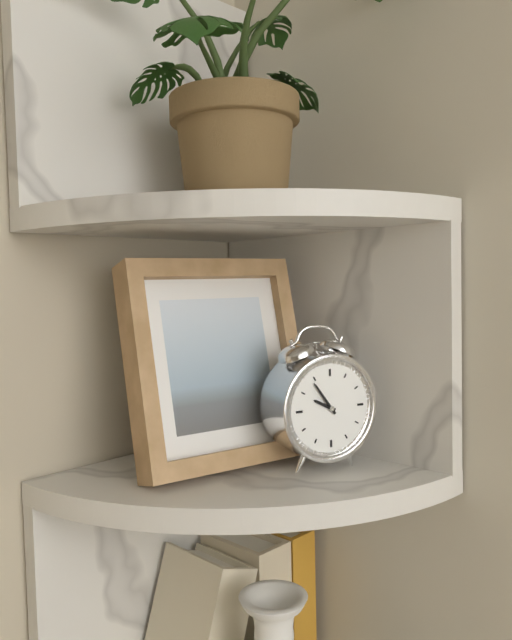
9.54
